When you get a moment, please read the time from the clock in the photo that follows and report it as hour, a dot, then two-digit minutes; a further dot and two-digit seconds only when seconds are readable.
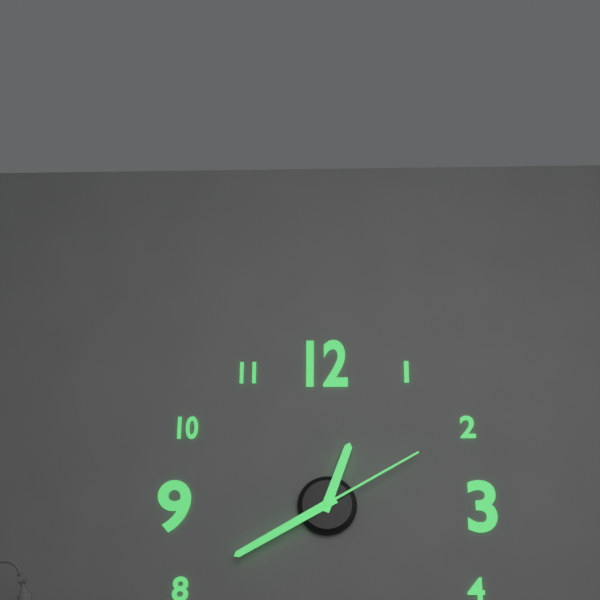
12.40.10
